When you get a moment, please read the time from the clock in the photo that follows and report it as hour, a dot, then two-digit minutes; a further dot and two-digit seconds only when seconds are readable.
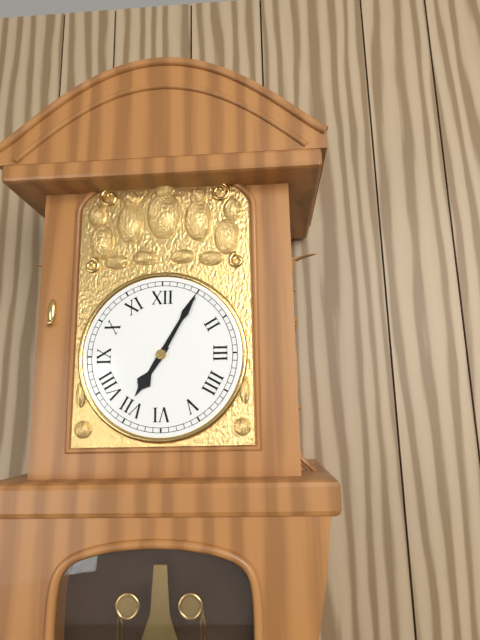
7.05
